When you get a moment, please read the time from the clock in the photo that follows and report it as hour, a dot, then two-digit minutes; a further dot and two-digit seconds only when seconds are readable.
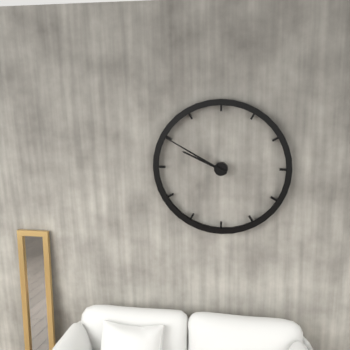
9.50
